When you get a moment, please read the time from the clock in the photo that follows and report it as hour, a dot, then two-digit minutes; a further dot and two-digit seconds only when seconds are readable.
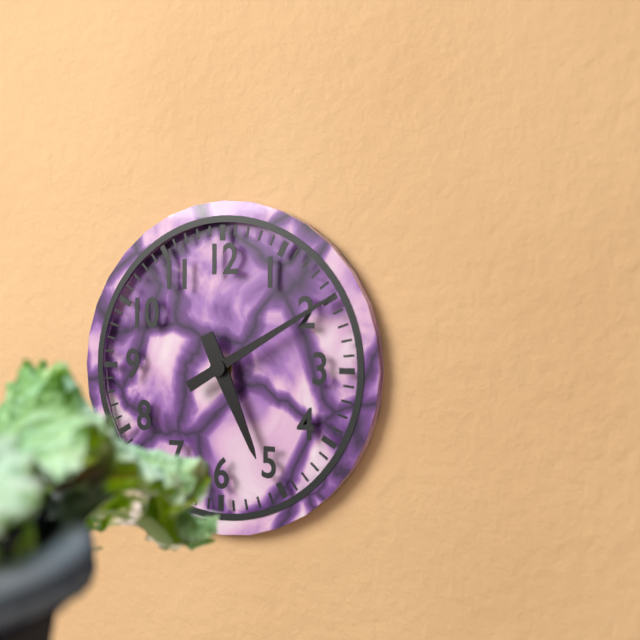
5.10
